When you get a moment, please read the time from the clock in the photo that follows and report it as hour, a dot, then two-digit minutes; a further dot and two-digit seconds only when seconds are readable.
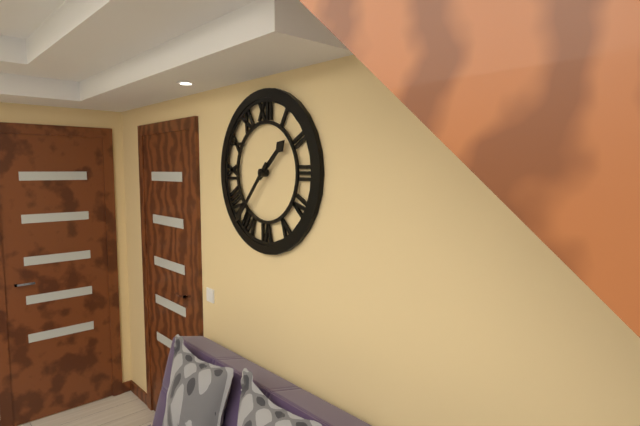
1.37
